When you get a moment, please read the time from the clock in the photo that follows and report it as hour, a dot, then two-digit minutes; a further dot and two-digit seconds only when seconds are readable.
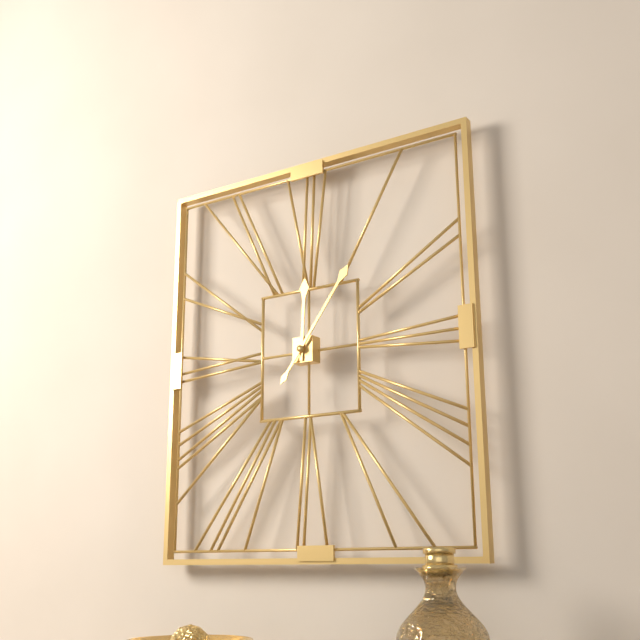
12.06
